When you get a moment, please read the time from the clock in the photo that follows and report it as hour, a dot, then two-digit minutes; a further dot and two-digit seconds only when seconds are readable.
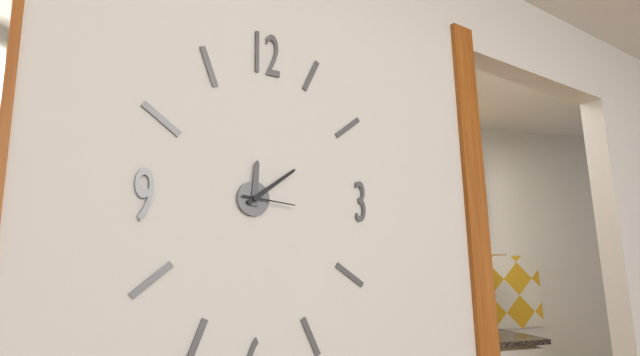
12.09.16
